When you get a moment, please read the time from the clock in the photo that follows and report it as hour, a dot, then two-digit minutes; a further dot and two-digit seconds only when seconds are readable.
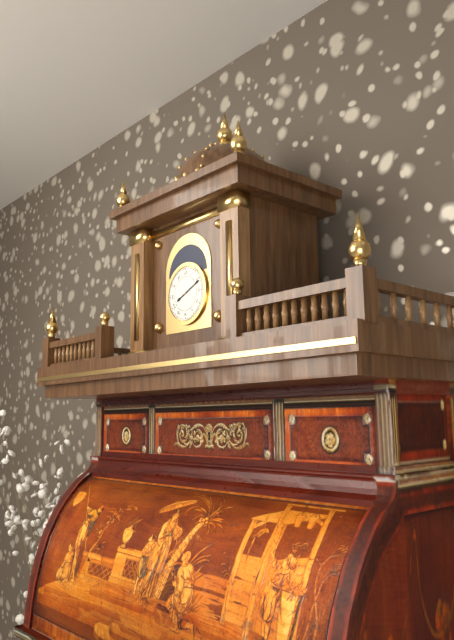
8.11
